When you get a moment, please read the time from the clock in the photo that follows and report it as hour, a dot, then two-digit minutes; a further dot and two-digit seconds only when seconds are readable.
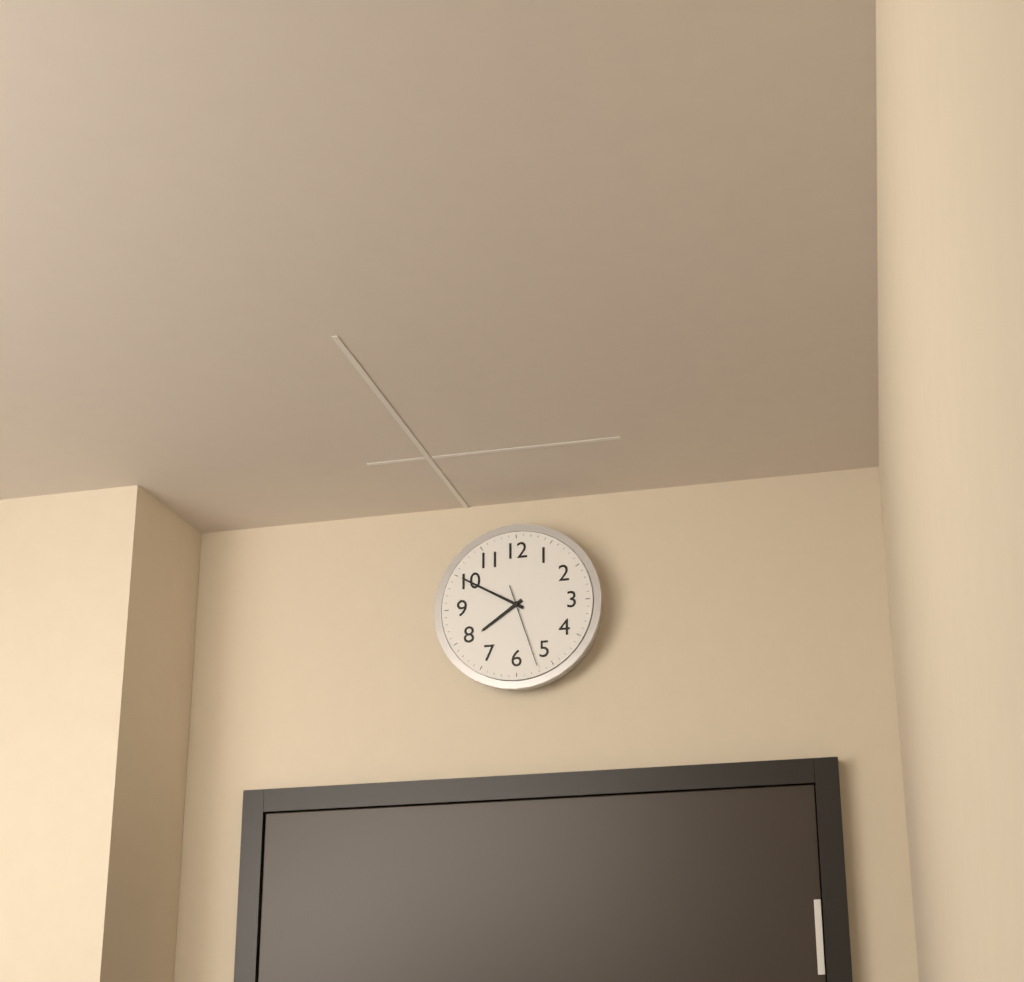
7.50.27
